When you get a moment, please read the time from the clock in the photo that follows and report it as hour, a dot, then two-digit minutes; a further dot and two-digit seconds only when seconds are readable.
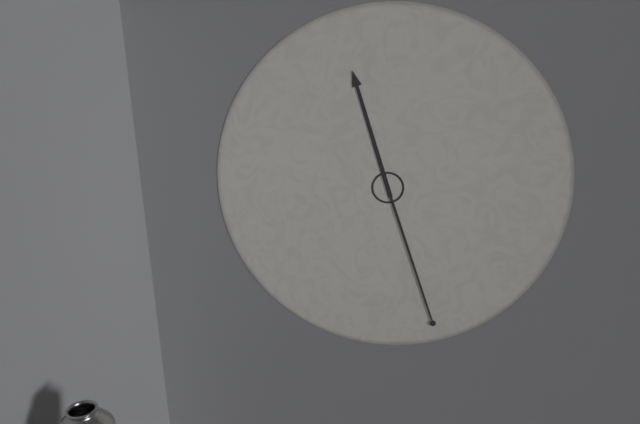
11.27
